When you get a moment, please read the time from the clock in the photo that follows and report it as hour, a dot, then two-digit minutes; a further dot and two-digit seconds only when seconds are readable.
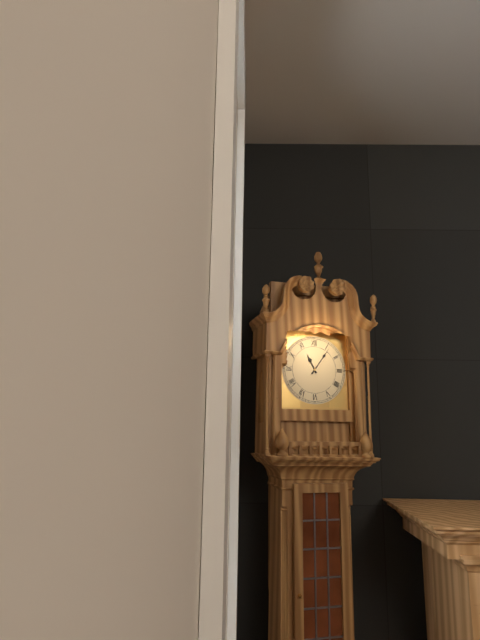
11.06
